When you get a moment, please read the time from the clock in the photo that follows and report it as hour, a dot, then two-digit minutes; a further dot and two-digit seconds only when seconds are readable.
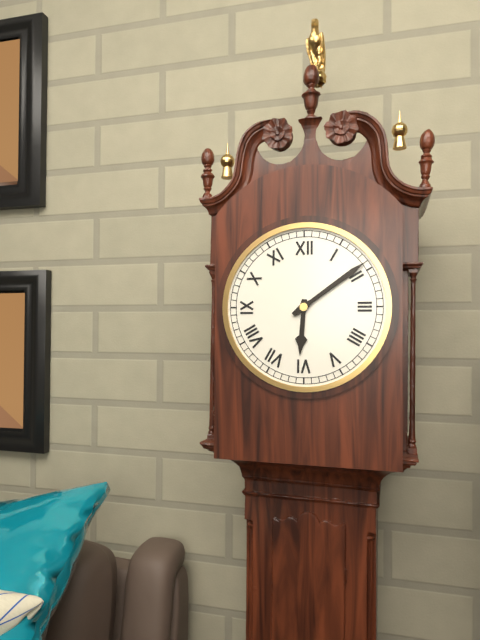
6.09
